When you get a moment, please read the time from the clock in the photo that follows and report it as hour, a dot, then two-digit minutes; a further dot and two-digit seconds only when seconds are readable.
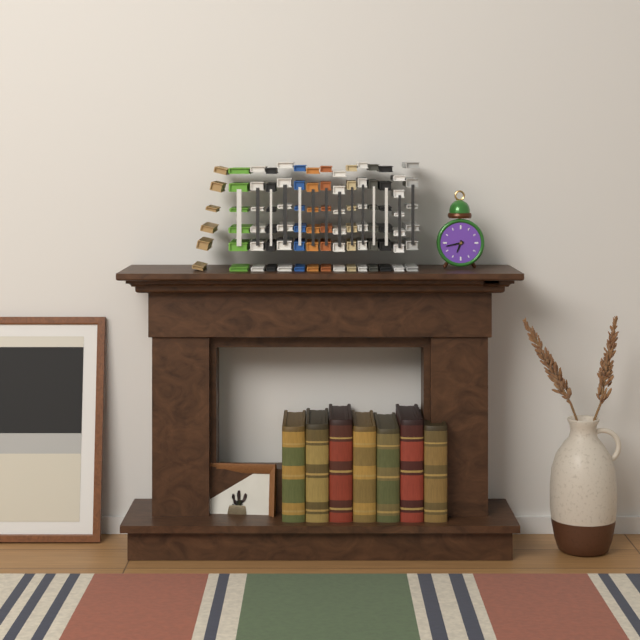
6.43
